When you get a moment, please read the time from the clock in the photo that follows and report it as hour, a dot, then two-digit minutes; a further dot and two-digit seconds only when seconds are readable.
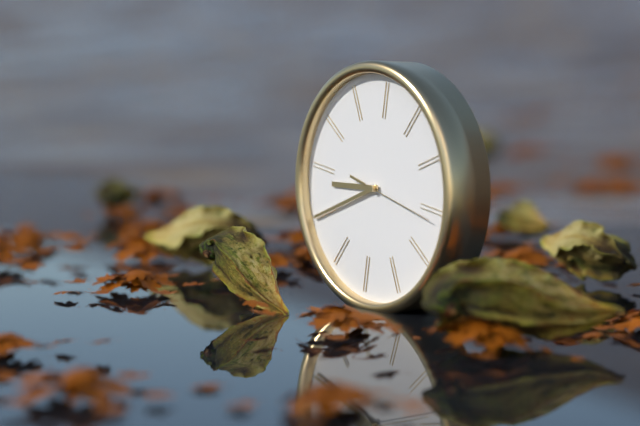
8.40.16
